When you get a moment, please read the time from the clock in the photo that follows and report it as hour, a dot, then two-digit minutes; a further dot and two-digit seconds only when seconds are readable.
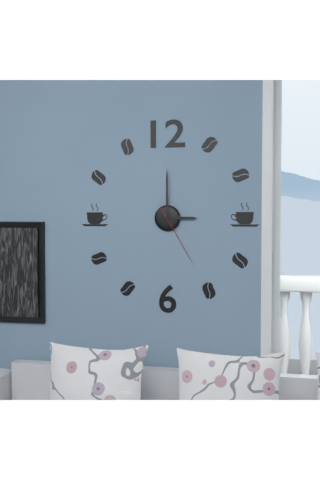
3.00.25
